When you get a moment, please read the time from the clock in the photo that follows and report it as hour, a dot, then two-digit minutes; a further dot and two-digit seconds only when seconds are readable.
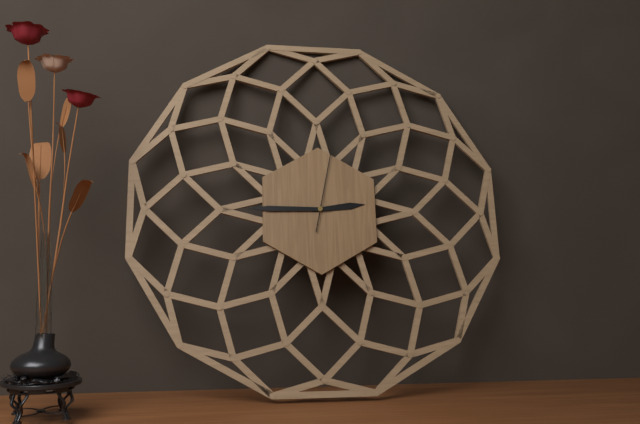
2.45.02
